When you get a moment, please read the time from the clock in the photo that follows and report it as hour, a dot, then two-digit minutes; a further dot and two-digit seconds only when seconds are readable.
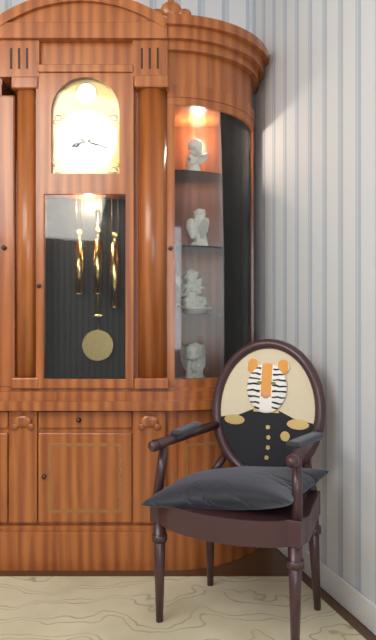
8.18
